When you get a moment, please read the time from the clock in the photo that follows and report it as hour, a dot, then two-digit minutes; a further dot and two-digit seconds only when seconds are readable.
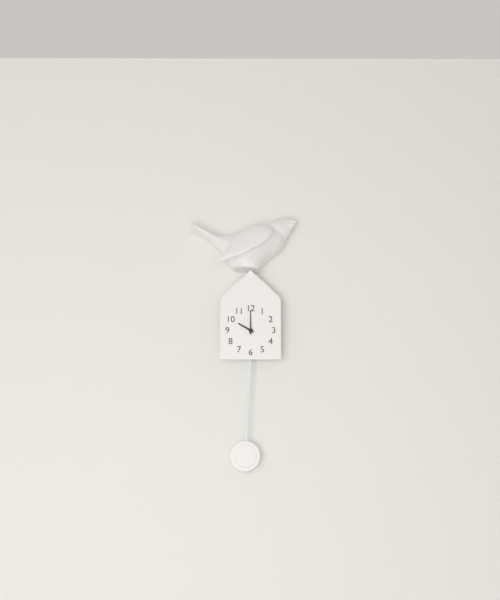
10.00
